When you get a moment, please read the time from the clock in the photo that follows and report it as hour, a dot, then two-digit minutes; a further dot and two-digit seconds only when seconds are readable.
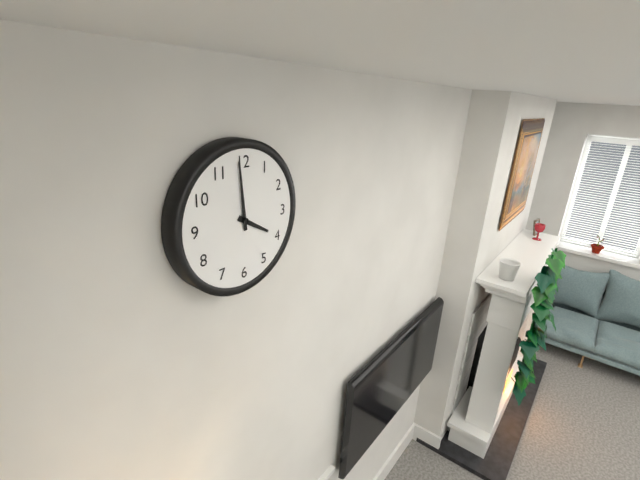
3.59
